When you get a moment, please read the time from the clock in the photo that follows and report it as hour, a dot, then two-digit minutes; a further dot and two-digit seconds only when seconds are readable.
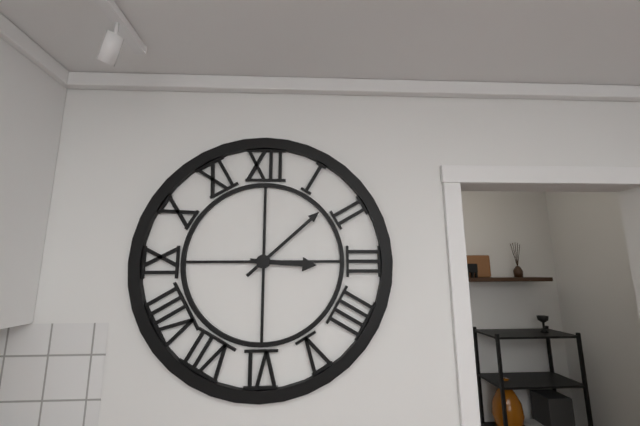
3.08
